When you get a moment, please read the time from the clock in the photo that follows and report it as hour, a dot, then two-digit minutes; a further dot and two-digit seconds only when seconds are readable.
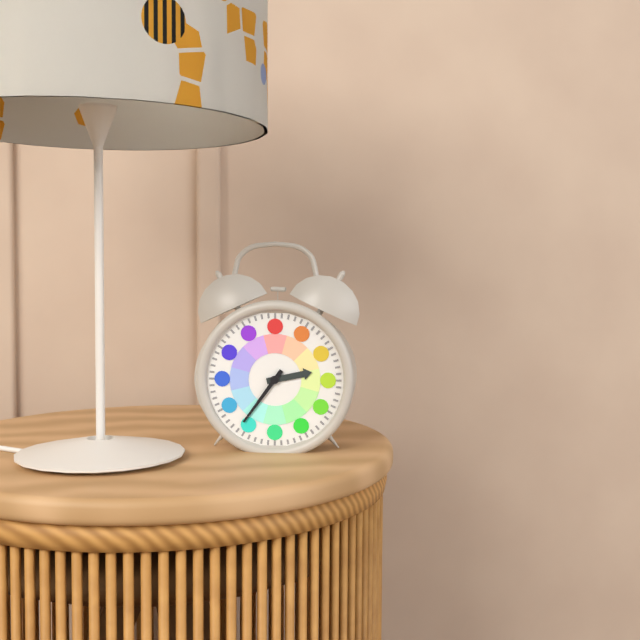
2.36
